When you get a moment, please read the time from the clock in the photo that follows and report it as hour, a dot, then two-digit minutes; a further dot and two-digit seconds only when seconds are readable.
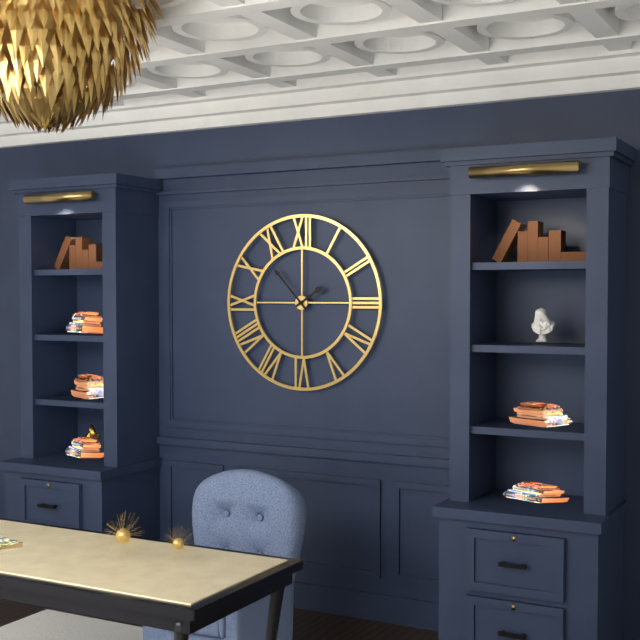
1.53
